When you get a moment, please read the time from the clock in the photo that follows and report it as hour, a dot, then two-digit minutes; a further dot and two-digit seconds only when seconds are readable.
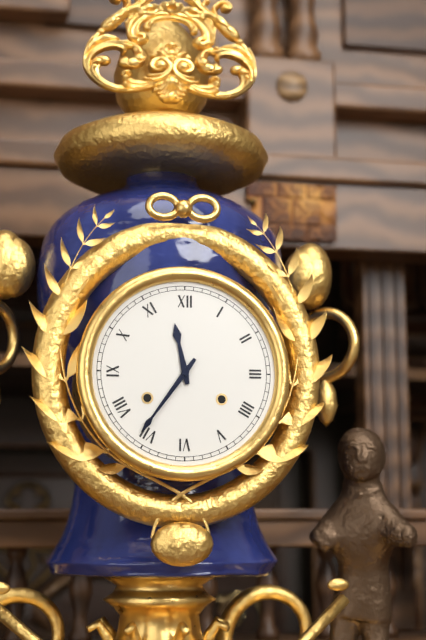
11.36
